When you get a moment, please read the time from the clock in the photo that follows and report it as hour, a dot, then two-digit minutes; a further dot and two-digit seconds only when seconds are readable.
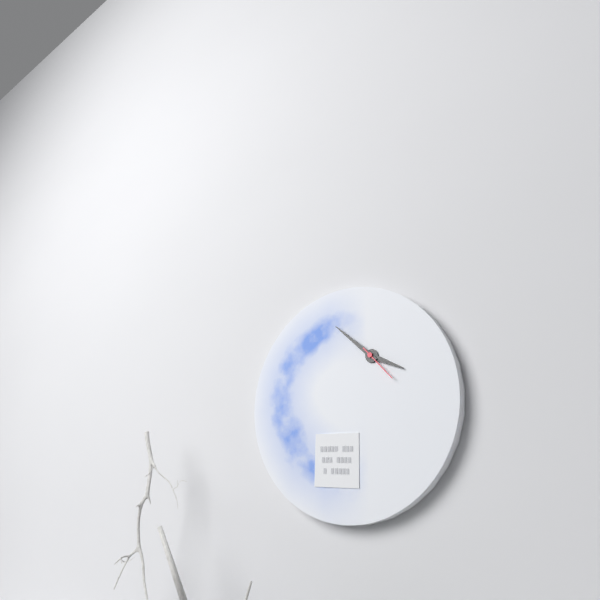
3.52
